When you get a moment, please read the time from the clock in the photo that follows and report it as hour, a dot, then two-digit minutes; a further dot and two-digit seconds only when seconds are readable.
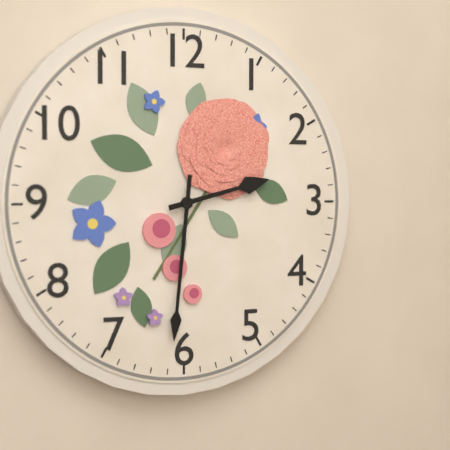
2.31
